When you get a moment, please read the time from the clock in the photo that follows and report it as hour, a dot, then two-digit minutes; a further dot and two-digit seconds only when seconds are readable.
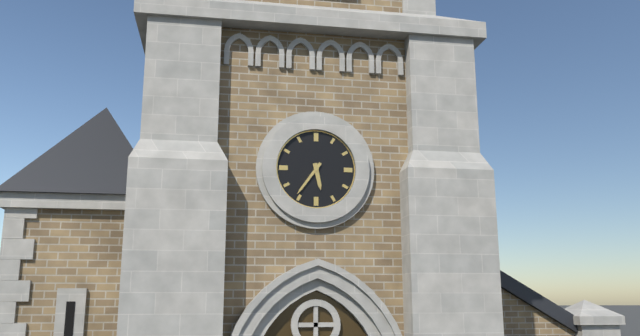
5.36
